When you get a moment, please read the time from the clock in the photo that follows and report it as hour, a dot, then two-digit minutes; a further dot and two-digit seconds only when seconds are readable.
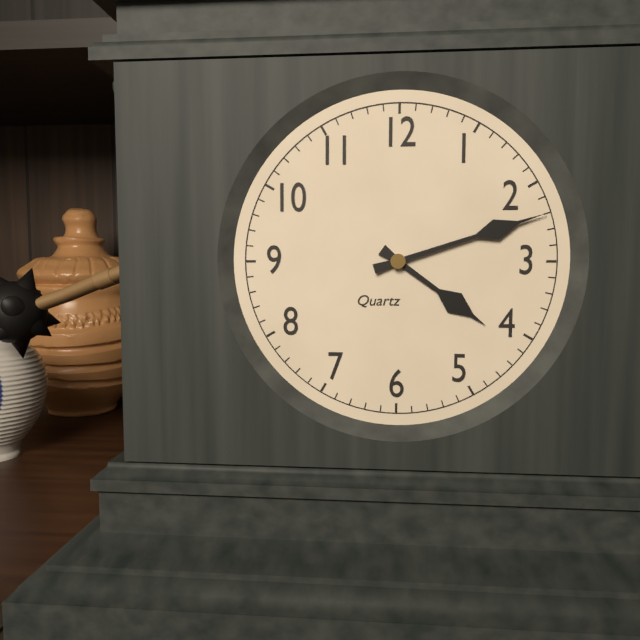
4.12
